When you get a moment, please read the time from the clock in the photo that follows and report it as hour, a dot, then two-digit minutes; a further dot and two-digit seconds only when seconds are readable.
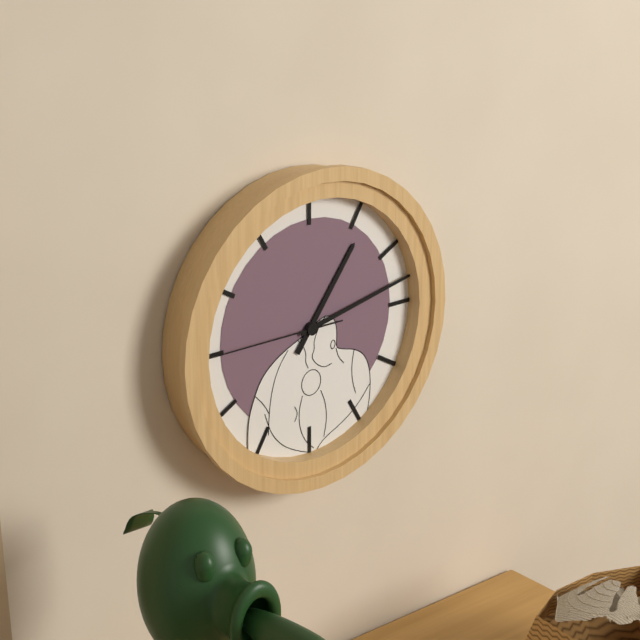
1.13.45
